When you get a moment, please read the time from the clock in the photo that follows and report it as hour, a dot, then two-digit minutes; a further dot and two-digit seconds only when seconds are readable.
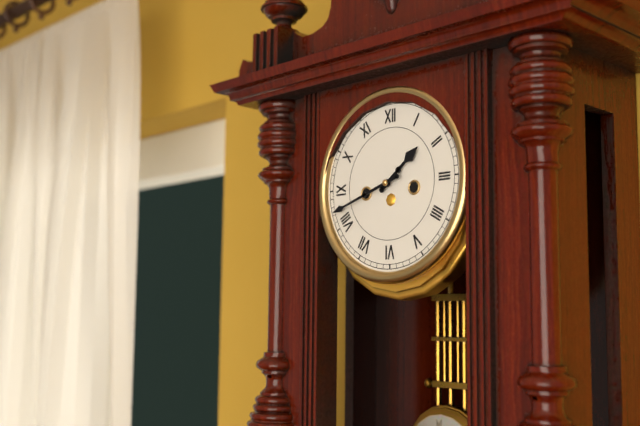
1.42
